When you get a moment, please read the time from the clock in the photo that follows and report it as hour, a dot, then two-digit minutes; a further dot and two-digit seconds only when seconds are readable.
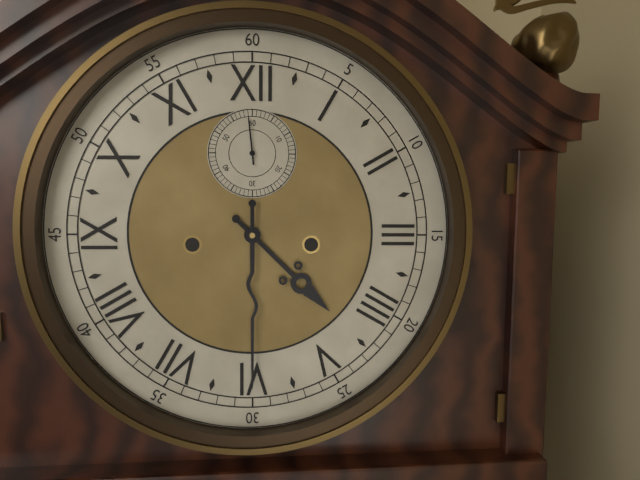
4.30
